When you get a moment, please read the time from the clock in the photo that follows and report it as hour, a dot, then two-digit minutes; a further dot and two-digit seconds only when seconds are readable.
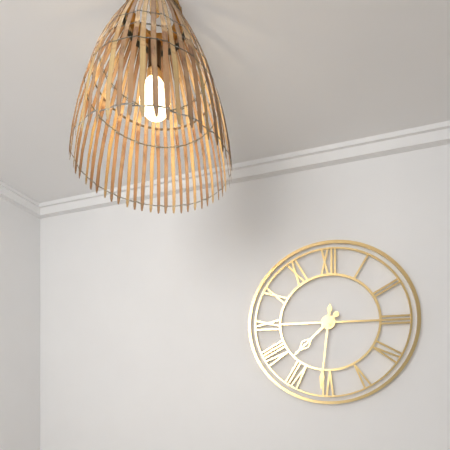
7.31
